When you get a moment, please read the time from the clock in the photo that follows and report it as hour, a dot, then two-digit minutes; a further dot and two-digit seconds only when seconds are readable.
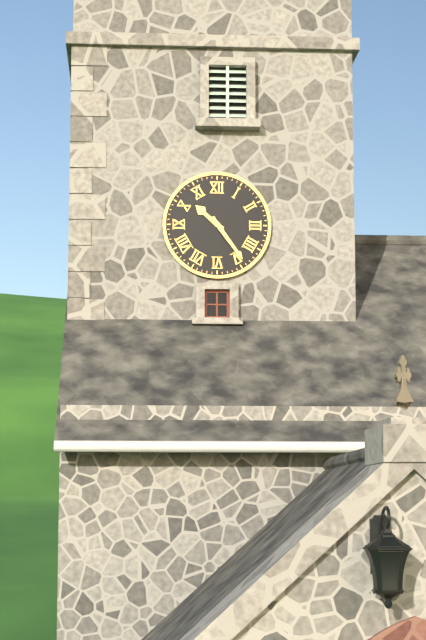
10.24
